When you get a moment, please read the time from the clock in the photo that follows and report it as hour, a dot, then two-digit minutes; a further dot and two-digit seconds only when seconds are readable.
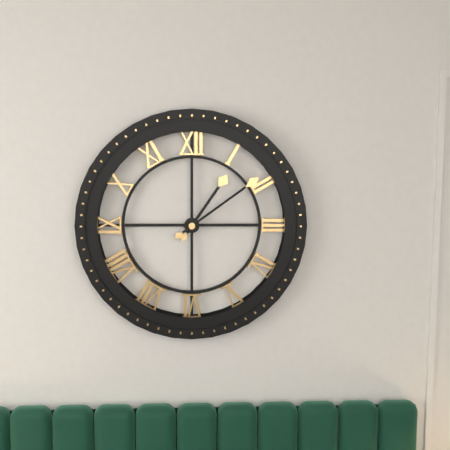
1.09
